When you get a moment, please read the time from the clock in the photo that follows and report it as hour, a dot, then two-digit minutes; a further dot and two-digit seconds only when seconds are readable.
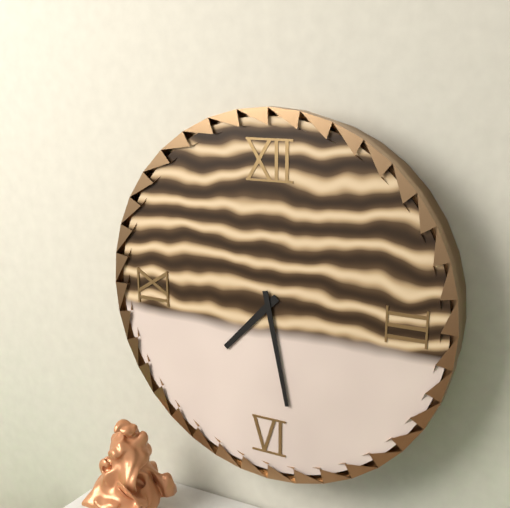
7.28
